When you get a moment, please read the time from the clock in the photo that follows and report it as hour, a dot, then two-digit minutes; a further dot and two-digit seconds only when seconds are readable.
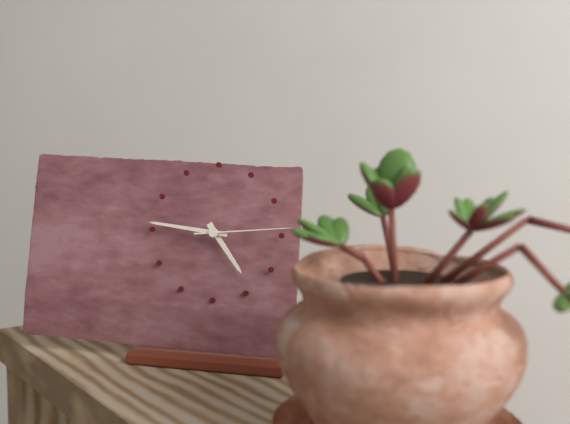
4.46.14
